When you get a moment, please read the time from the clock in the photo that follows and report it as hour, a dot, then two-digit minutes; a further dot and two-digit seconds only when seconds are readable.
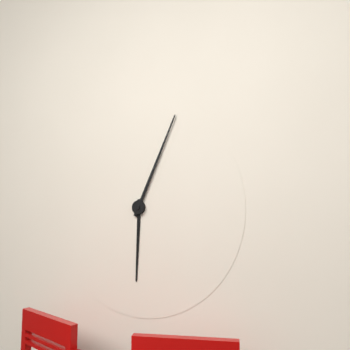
6.04
